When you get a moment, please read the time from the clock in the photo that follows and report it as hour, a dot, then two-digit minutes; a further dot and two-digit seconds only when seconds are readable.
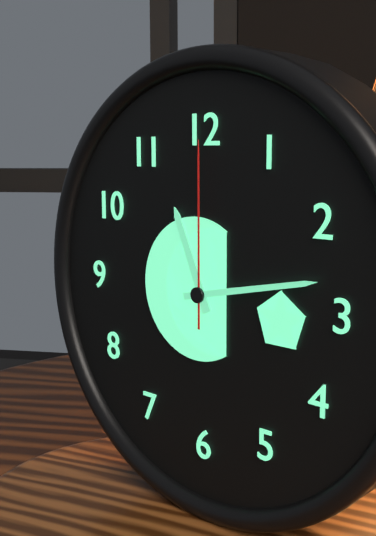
11.13.00
